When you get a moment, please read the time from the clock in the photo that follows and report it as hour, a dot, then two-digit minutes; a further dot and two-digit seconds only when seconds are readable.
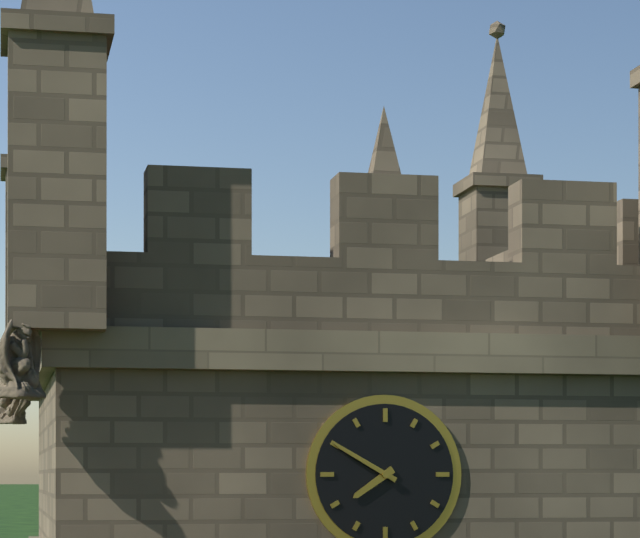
7.50
